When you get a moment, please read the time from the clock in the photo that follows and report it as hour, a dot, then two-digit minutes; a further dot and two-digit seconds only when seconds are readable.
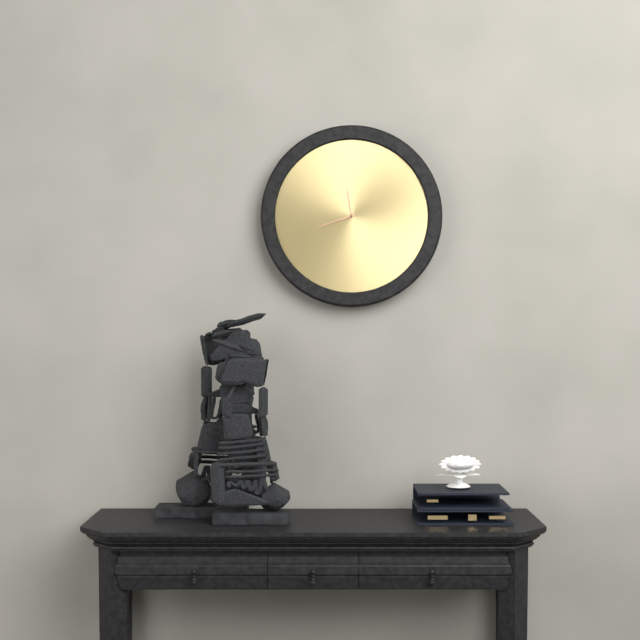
11.42
